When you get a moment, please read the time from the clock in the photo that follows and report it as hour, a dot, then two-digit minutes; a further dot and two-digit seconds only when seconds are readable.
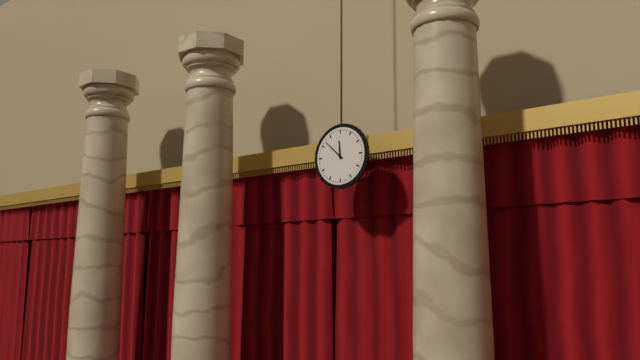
11.52
